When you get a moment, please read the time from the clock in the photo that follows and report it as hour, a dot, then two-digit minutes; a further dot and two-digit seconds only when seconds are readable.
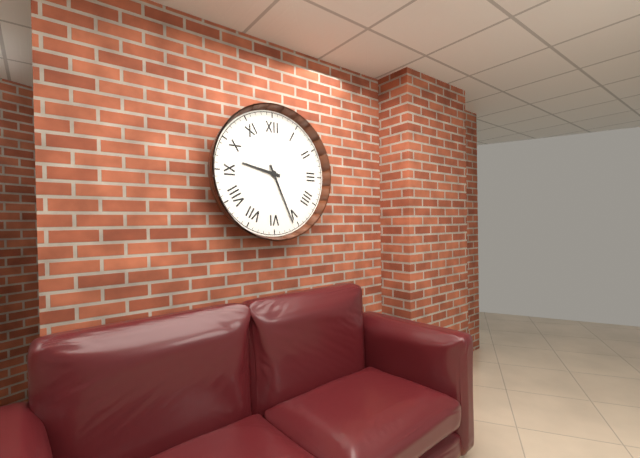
9.26
